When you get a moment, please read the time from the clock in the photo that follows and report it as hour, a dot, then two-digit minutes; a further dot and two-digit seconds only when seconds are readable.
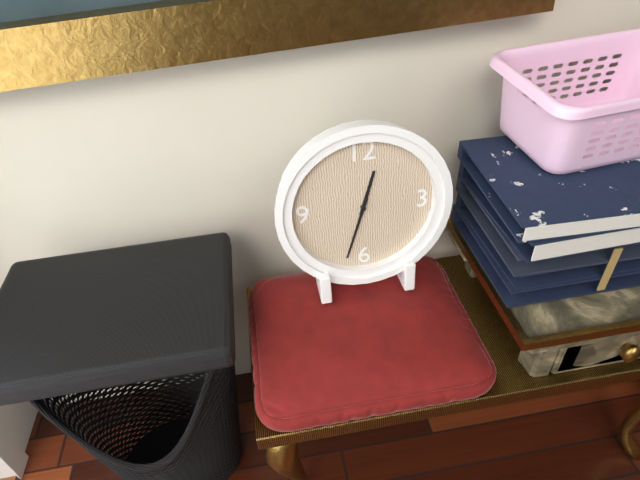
12.33
